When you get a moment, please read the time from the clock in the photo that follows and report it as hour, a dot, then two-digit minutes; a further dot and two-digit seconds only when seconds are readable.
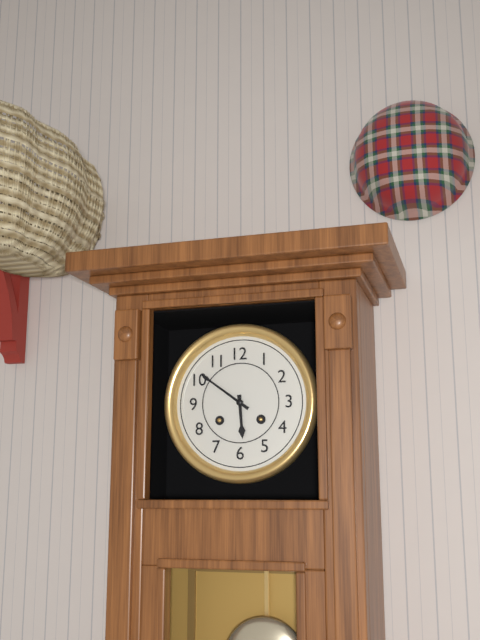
5.51
